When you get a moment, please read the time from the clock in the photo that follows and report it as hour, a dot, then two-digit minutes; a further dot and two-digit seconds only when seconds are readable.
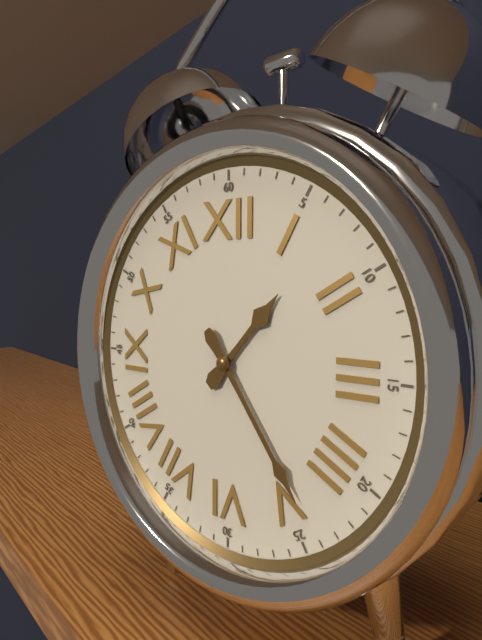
1.24
